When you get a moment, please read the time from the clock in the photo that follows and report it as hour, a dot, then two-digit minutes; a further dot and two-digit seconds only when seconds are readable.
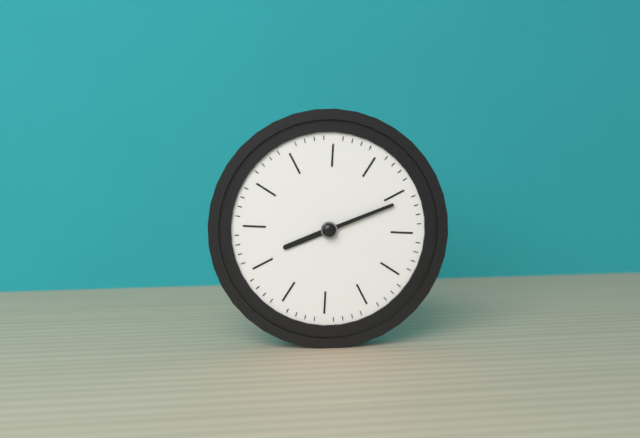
8.11
